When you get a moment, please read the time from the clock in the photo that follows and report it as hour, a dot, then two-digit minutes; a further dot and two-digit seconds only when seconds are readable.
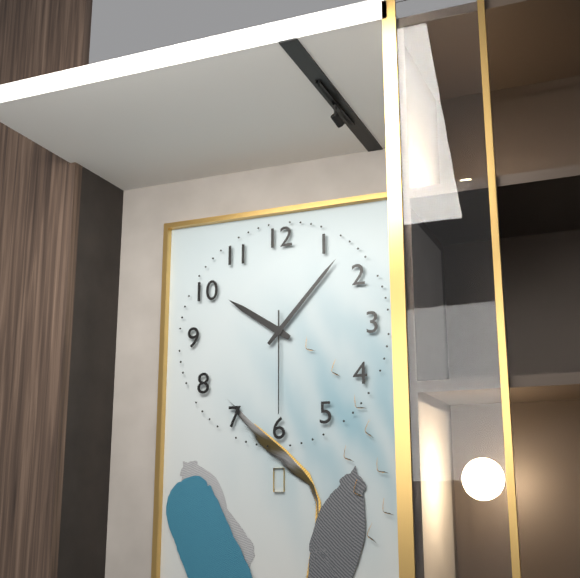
10.07.30
